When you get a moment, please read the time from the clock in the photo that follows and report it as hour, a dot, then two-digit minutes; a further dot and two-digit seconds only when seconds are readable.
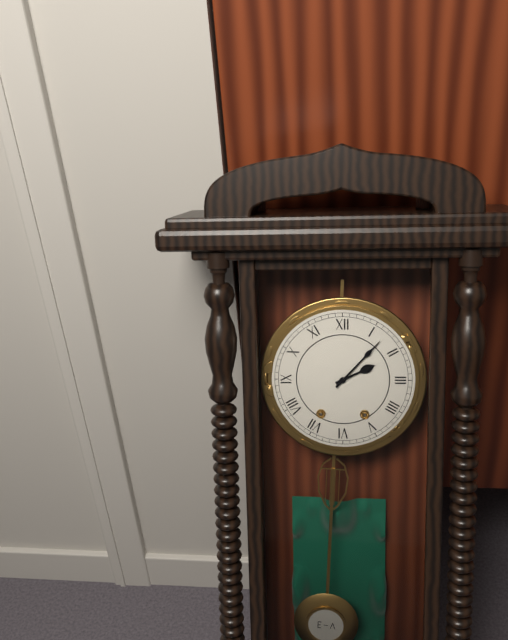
2.07
